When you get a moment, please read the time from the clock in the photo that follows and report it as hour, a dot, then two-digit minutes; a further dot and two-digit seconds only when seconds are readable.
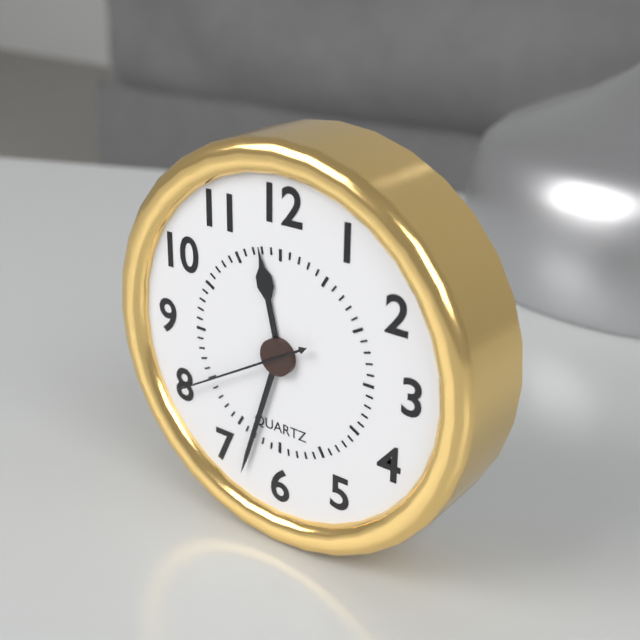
11.33.40
